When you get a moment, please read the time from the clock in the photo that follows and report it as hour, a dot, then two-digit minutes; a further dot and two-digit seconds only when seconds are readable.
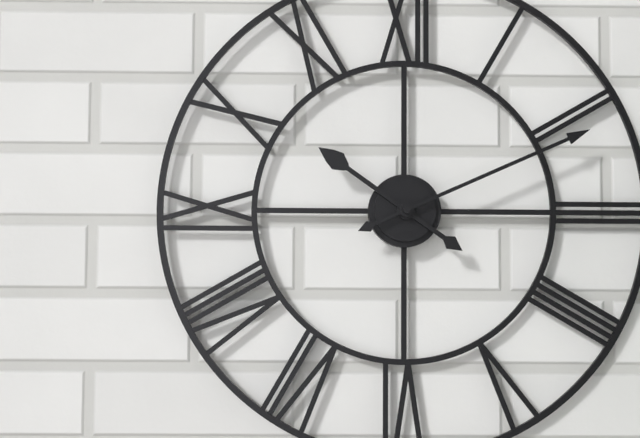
10.11
